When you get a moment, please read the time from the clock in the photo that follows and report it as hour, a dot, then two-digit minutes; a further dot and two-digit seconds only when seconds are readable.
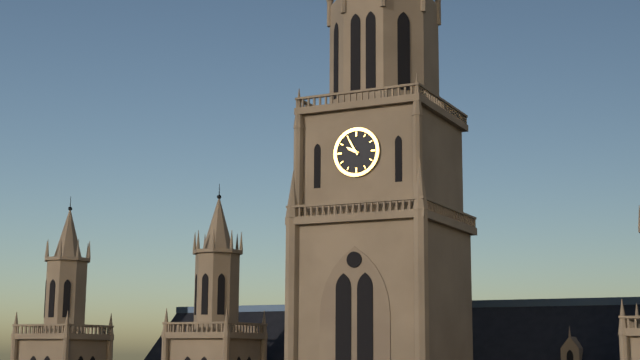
9.55
